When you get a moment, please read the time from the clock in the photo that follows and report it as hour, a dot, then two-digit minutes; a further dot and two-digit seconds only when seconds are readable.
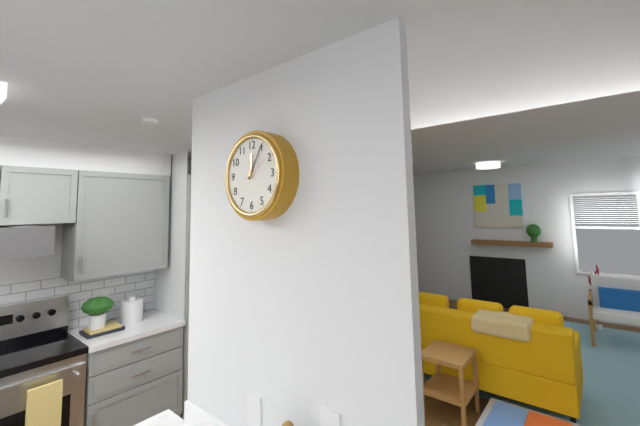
12.05
